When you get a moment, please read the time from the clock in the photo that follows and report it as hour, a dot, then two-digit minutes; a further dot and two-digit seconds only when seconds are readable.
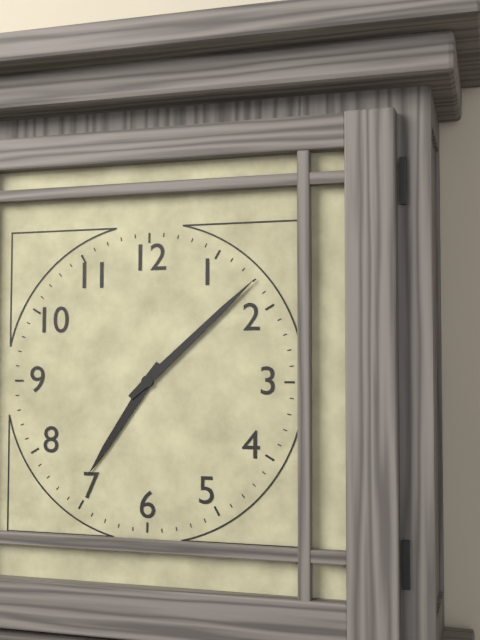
7.08
